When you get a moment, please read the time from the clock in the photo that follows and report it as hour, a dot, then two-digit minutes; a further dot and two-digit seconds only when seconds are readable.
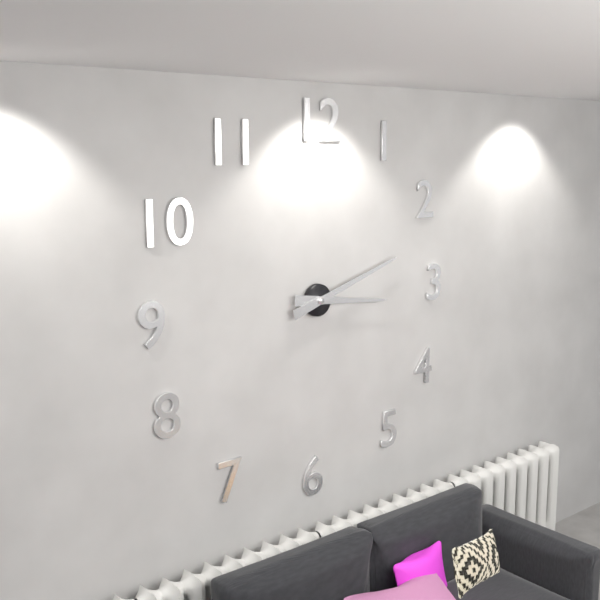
3.12
